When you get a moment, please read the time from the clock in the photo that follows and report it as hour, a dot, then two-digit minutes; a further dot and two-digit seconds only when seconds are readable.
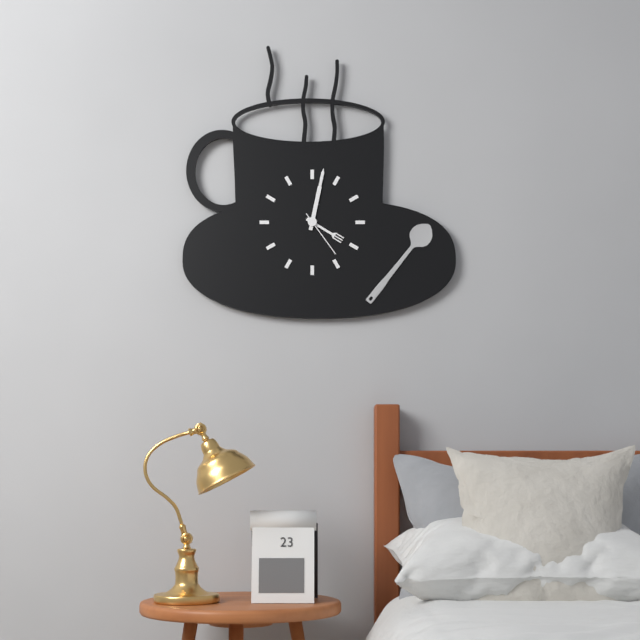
4.02
